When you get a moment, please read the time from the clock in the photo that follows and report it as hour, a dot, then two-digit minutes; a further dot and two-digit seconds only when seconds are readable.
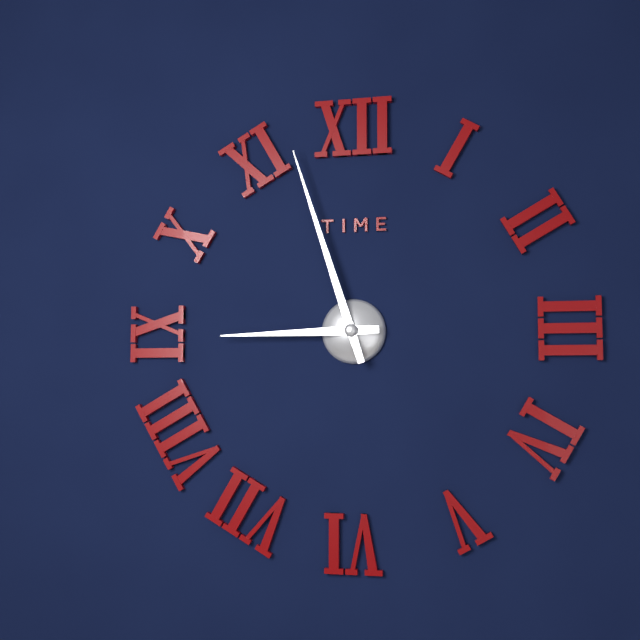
8.57
